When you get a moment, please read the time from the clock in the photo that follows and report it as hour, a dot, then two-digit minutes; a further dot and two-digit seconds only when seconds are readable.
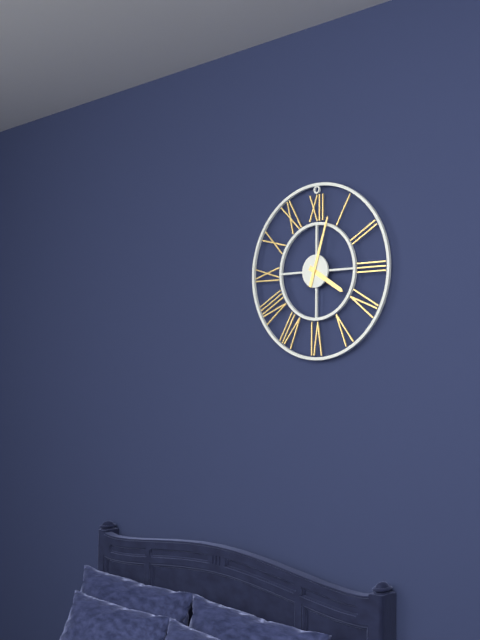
4.03
